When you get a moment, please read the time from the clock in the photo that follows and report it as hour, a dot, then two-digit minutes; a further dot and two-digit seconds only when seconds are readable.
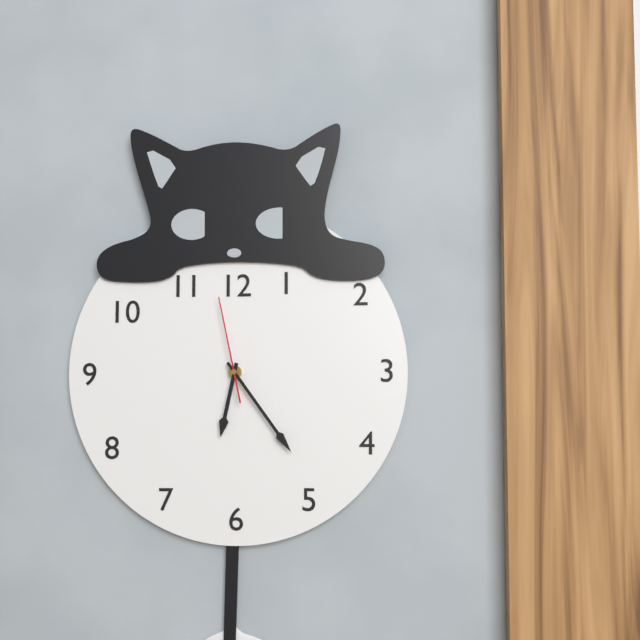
6.24.58
